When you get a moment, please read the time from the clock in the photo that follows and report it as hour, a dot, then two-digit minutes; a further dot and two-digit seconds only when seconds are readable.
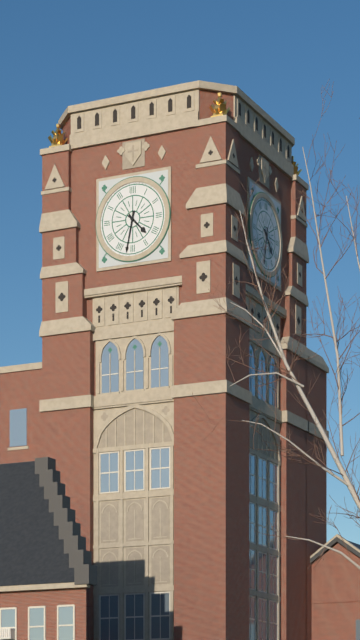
4.32
